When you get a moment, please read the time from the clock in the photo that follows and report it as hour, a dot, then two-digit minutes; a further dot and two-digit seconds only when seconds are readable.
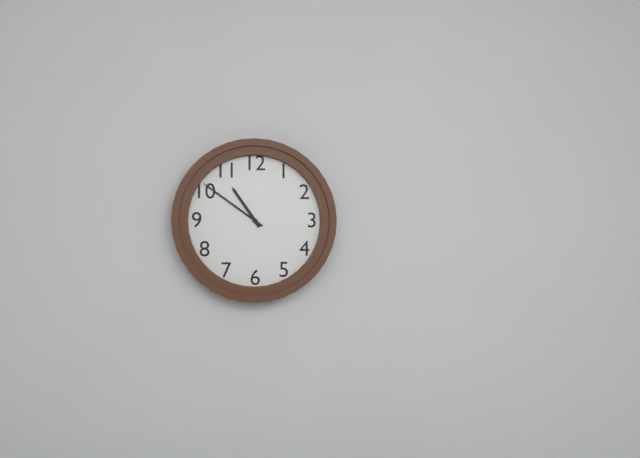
10.51
